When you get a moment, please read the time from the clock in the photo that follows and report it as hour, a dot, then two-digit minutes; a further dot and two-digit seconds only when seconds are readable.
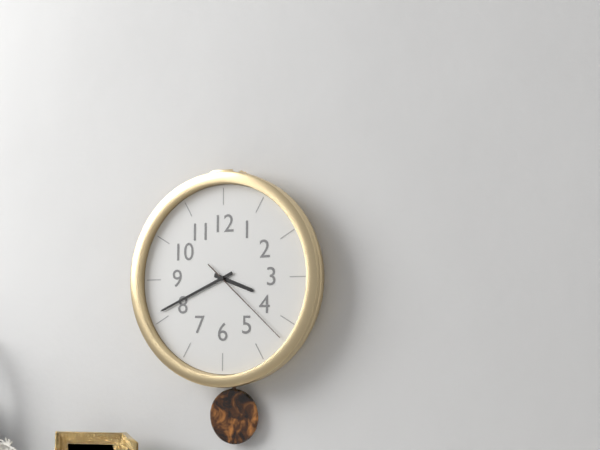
3.41.22
